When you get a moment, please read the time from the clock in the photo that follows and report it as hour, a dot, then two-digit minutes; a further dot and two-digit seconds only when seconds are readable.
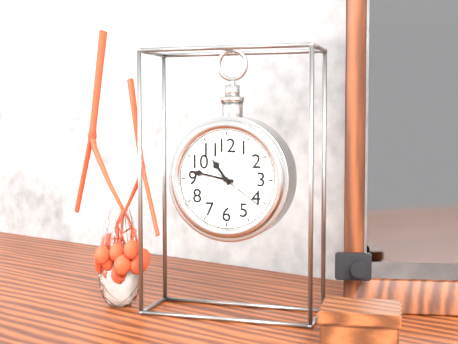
10.47
